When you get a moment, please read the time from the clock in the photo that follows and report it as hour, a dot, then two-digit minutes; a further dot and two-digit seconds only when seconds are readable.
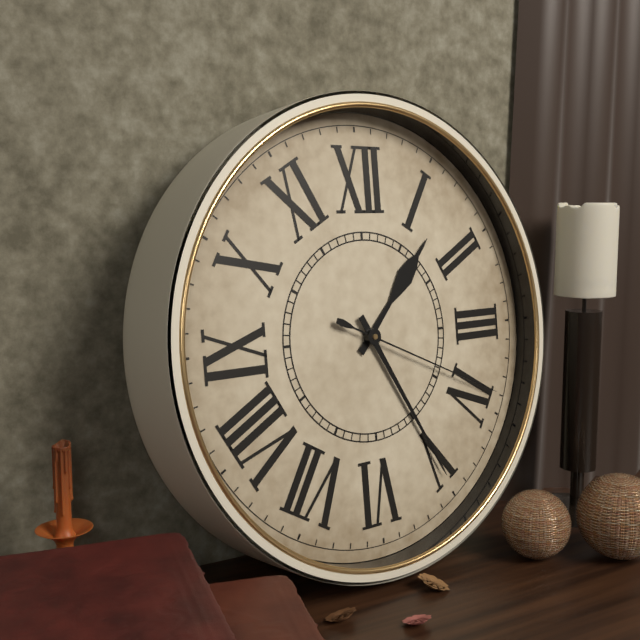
1.25.19
